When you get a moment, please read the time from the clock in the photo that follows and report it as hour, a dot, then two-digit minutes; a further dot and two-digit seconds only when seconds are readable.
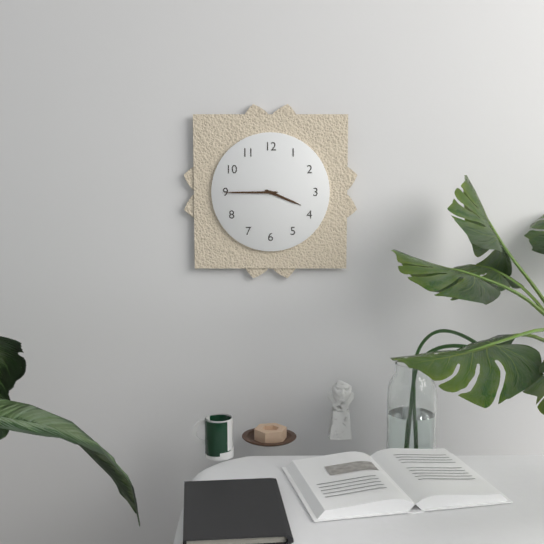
3.45
